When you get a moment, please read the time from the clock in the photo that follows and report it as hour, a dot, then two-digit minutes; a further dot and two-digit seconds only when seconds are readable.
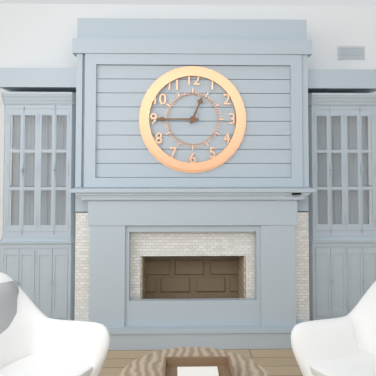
12.45
